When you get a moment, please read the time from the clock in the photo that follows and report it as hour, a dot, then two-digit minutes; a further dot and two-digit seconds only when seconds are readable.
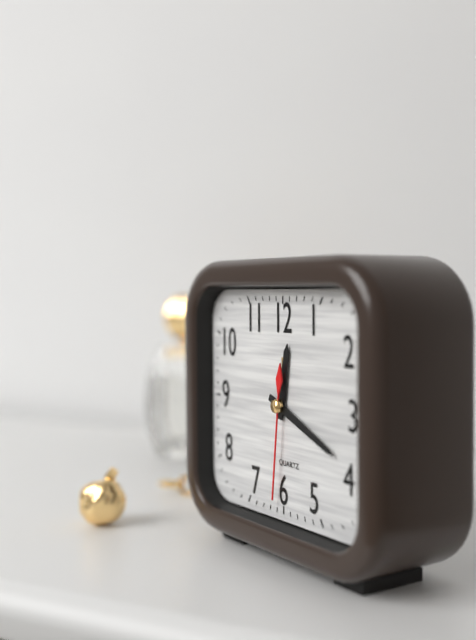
12.19.31
